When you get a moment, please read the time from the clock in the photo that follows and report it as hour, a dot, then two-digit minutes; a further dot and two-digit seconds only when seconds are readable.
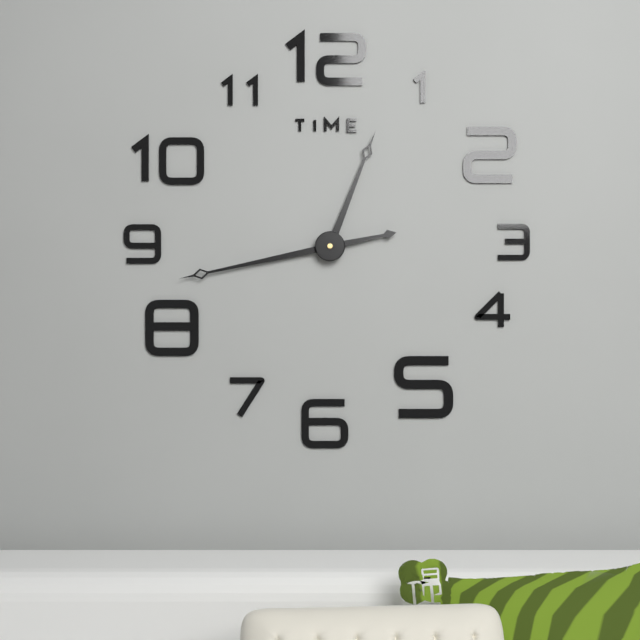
12.43
